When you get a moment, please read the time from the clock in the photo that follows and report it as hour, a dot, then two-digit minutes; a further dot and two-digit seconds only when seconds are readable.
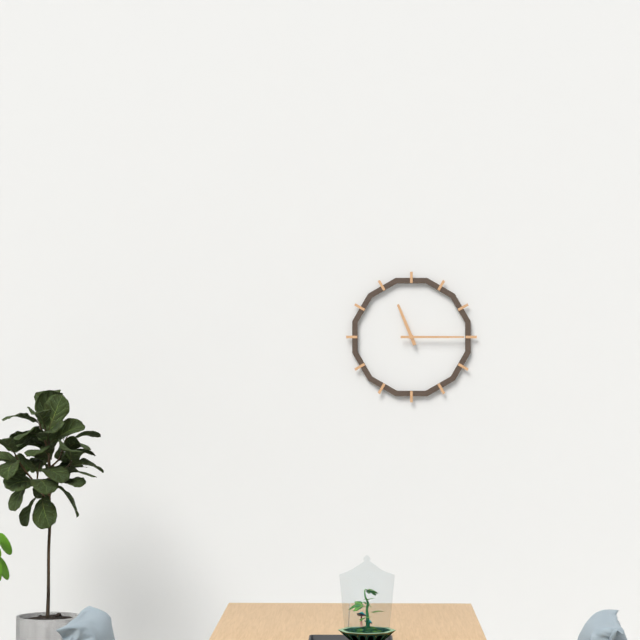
11.15
